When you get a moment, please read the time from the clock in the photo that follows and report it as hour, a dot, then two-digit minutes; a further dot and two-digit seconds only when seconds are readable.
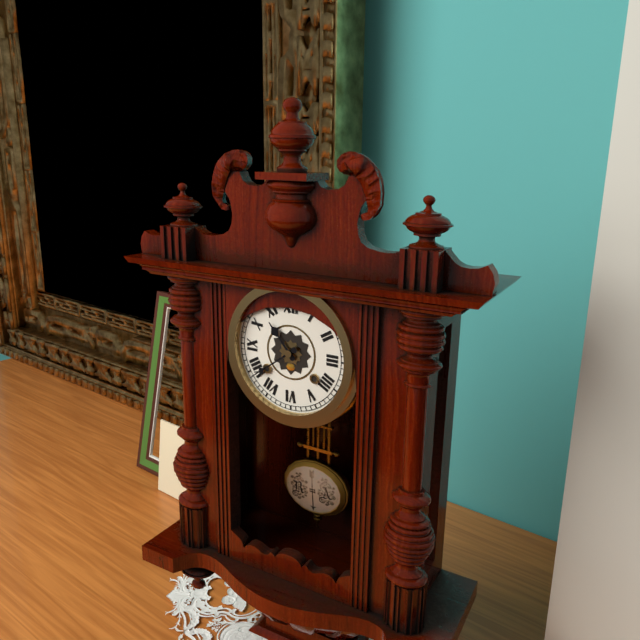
10.39
